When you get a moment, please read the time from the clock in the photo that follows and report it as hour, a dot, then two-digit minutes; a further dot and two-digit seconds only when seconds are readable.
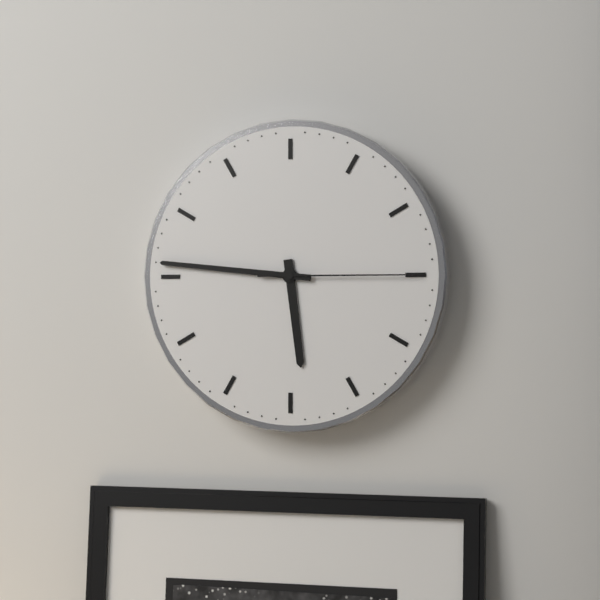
5.46.15
